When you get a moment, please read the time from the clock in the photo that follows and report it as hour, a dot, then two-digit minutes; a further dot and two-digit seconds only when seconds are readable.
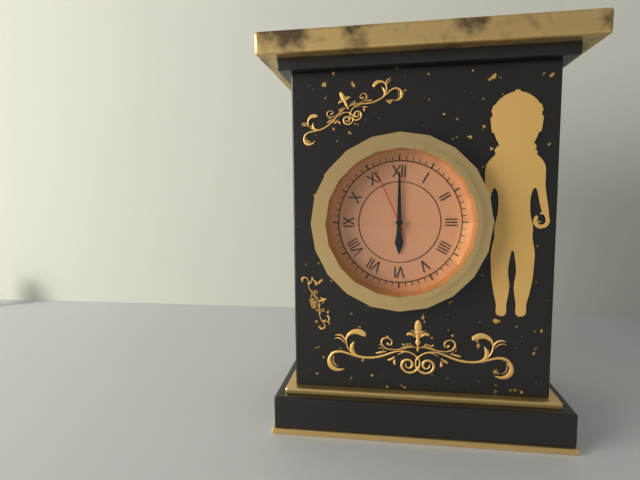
6.00.56
